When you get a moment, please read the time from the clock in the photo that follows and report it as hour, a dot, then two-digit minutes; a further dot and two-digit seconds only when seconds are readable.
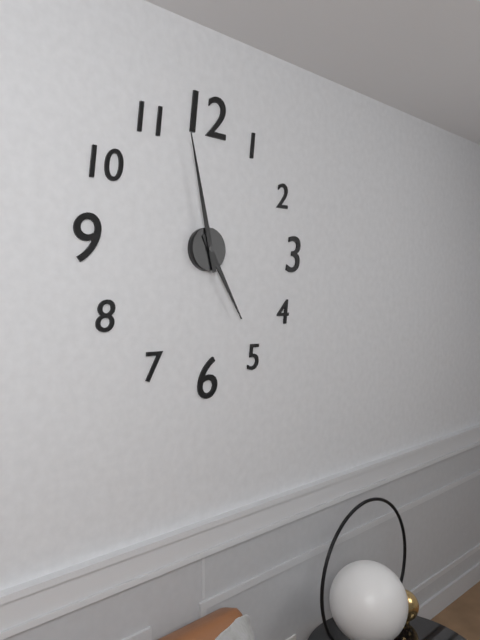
4.58
